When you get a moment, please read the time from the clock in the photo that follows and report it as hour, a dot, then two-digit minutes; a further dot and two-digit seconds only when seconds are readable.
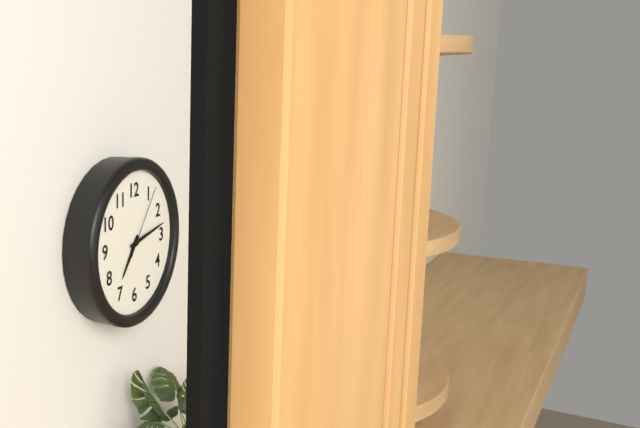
7.13.06
